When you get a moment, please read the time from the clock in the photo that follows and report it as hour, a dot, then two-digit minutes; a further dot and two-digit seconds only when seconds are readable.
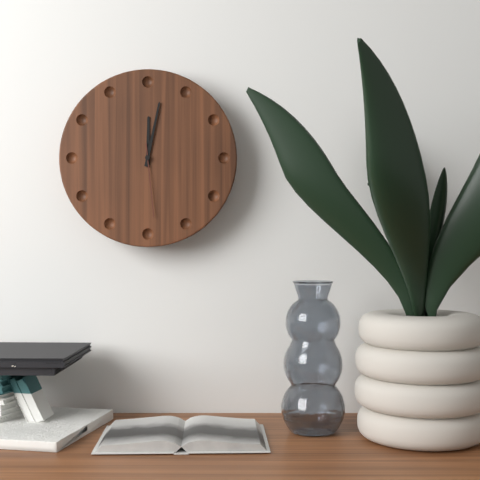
12.02.29
